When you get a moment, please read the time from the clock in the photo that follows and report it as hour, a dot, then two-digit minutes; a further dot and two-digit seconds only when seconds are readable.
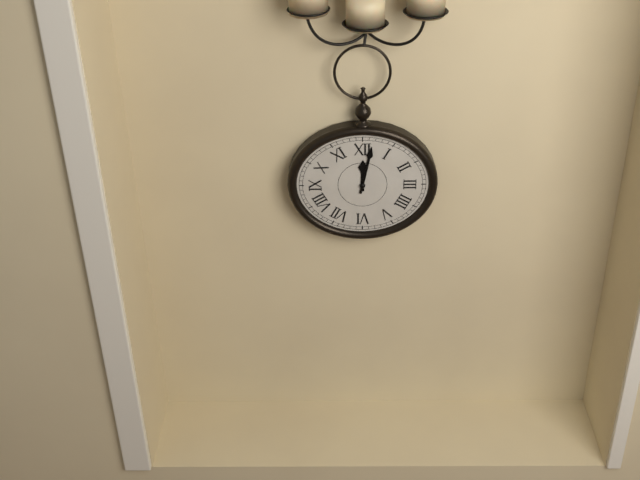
12.02
